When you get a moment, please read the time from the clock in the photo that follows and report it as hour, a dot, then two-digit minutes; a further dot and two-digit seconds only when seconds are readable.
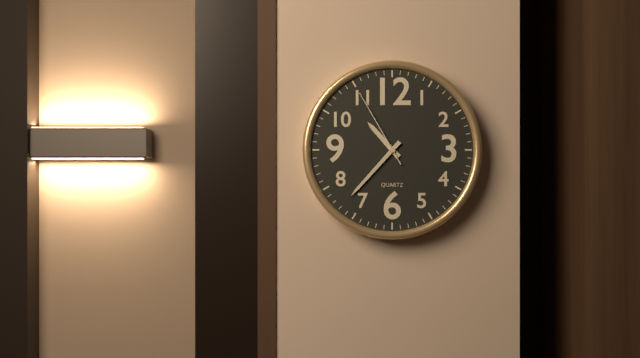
10.37.55
